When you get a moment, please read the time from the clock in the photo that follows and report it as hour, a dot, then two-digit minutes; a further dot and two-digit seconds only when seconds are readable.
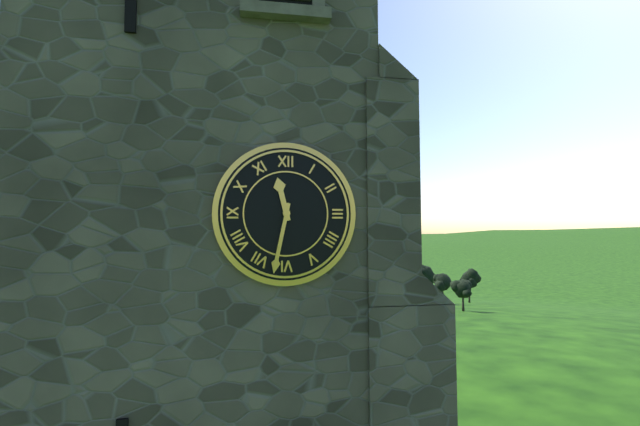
11.32
